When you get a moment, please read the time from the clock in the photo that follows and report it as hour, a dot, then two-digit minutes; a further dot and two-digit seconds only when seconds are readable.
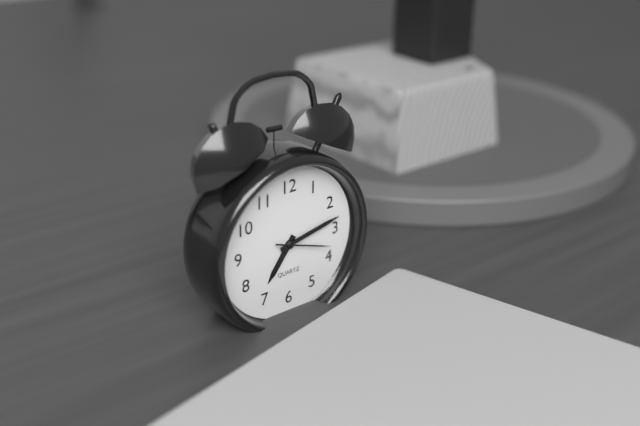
7.13.18
